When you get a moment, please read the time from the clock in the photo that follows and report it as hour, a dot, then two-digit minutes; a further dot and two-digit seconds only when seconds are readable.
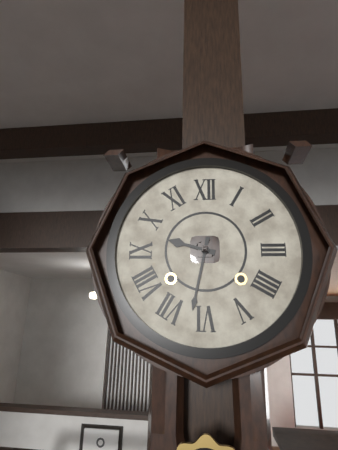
9.32
